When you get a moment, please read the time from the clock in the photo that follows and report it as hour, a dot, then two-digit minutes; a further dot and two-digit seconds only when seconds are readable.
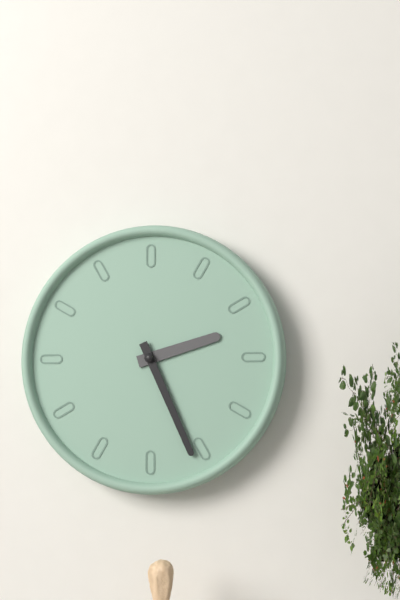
2.26
